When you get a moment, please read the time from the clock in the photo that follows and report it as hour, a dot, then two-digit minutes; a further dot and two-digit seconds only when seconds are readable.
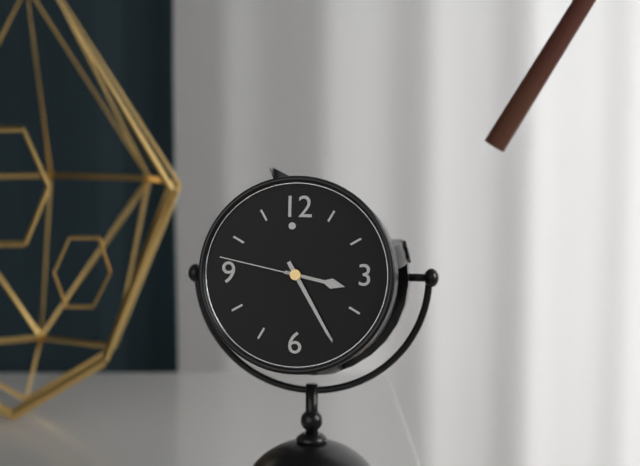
3.25.47
